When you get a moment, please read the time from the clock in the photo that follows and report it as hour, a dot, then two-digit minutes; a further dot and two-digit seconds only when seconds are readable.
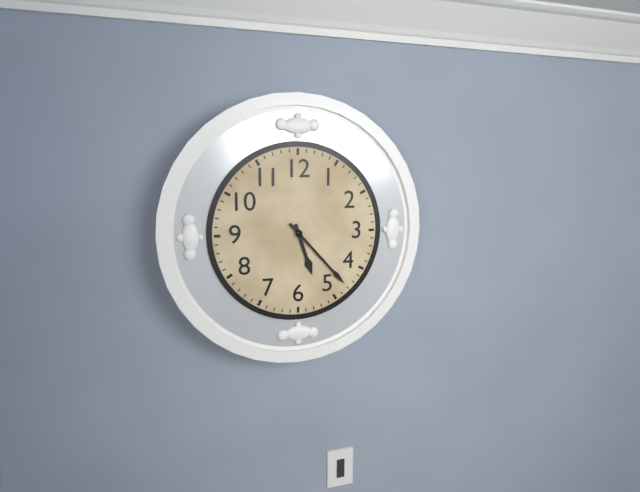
5.23
